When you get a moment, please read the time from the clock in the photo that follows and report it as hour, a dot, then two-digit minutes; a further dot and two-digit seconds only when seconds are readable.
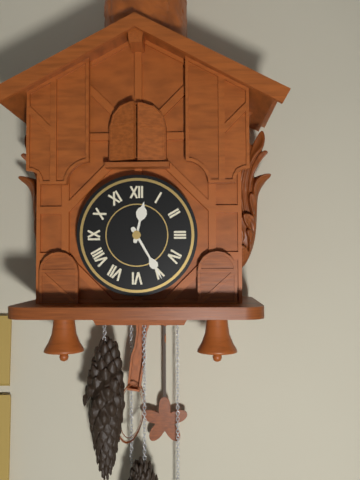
12.25
